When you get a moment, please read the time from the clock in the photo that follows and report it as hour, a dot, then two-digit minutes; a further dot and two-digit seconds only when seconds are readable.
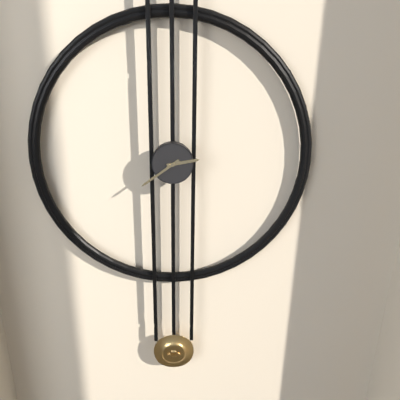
2.39
